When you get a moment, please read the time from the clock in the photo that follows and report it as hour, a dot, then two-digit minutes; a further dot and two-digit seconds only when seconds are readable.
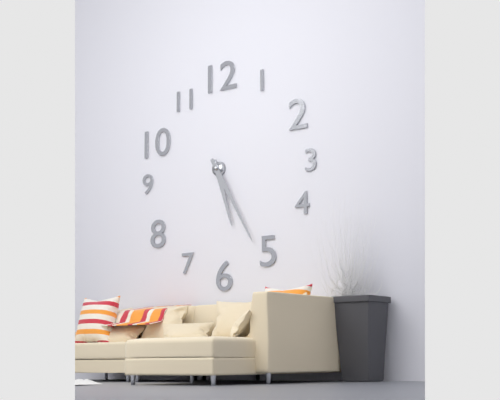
5.25
